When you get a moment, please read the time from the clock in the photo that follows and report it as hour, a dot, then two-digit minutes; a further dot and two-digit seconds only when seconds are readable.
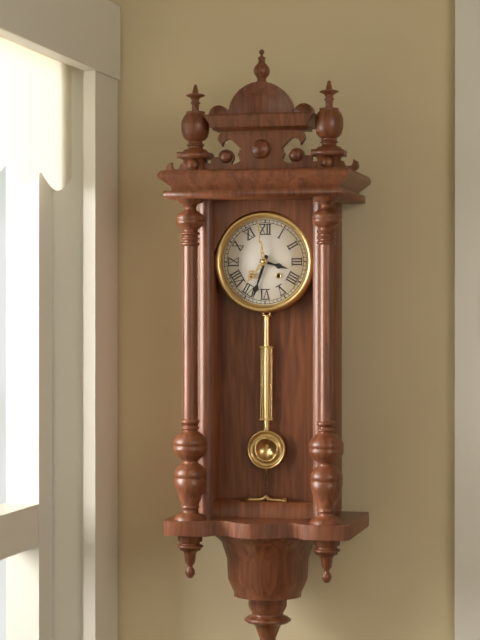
3.33
